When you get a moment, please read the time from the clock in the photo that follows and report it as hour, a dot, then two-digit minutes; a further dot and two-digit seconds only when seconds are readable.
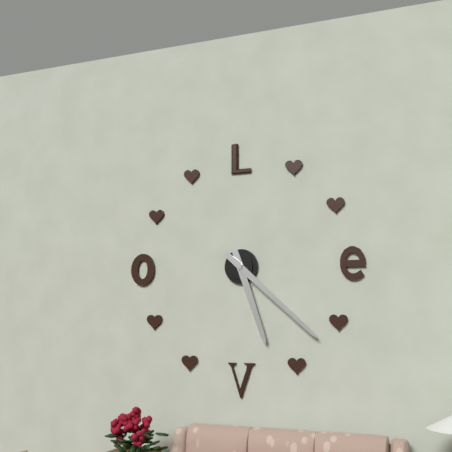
5.22
